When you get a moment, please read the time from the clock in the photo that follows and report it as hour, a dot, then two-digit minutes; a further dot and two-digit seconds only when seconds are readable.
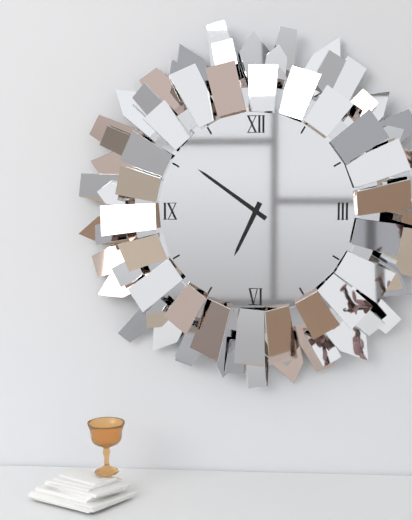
6.51
